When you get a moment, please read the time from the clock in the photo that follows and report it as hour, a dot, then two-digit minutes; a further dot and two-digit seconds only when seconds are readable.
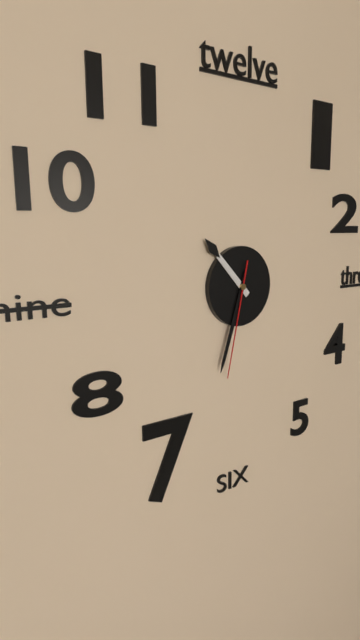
10.33.32
